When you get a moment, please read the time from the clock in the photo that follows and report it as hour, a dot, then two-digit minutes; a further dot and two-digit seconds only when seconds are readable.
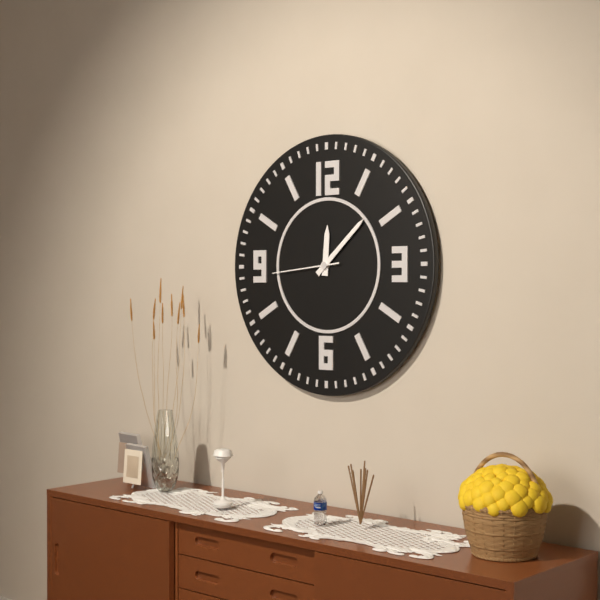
12.08.44
